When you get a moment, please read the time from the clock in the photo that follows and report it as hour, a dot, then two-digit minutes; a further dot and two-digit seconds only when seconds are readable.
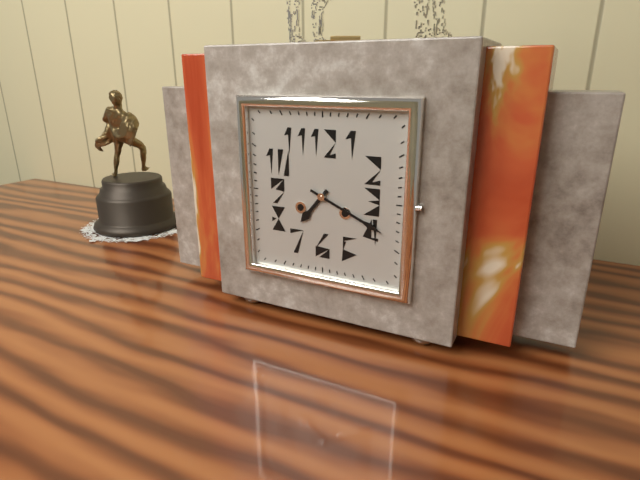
7.19
